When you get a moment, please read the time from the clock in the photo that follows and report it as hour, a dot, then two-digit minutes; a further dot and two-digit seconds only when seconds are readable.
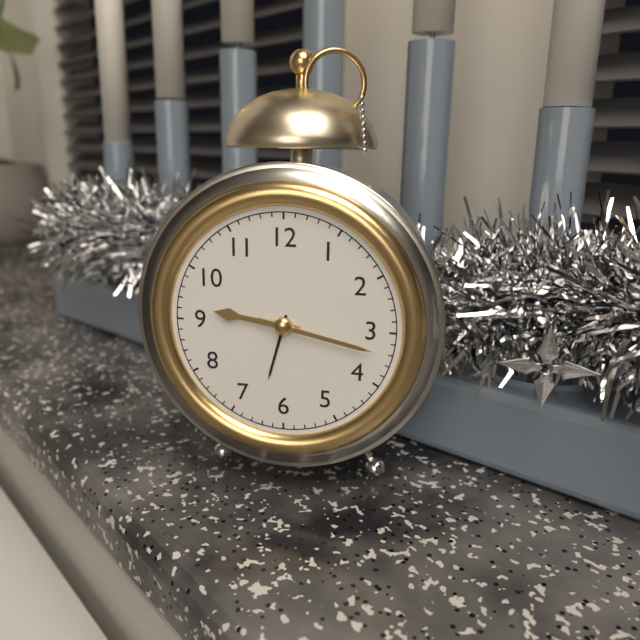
9.17
